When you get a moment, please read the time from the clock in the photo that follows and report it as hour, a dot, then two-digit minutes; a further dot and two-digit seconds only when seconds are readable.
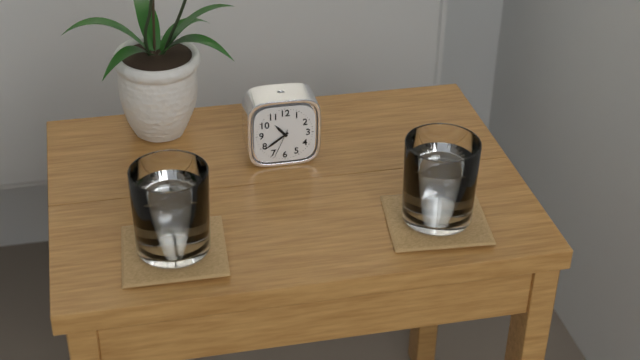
10.39
